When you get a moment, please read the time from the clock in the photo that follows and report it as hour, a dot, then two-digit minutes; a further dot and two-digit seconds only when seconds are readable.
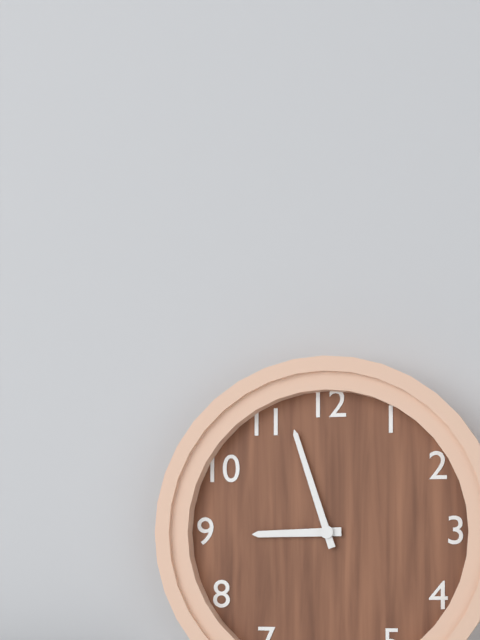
8.57
